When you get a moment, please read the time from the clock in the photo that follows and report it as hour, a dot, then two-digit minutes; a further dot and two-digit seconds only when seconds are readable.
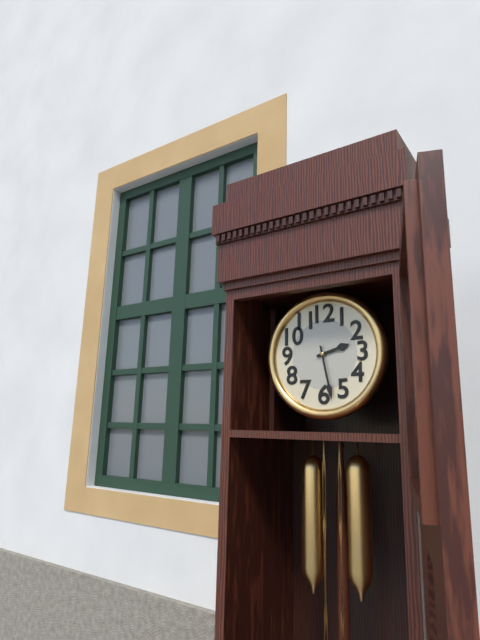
2.28
